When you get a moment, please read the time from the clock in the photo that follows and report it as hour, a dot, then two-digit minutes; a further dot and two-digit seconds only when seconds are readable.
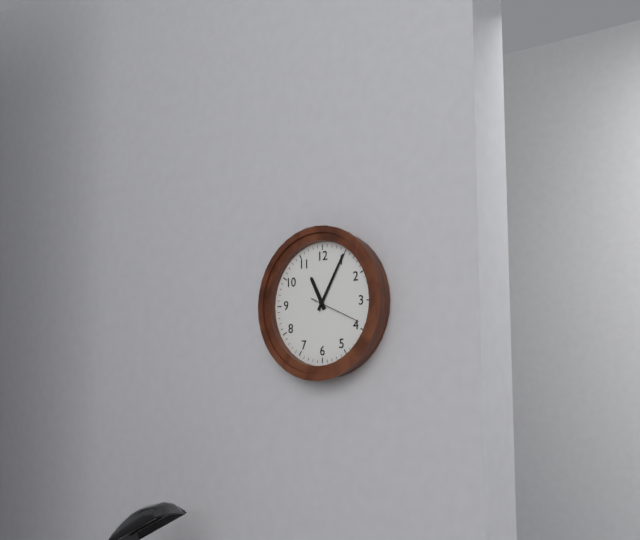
11.05.19
